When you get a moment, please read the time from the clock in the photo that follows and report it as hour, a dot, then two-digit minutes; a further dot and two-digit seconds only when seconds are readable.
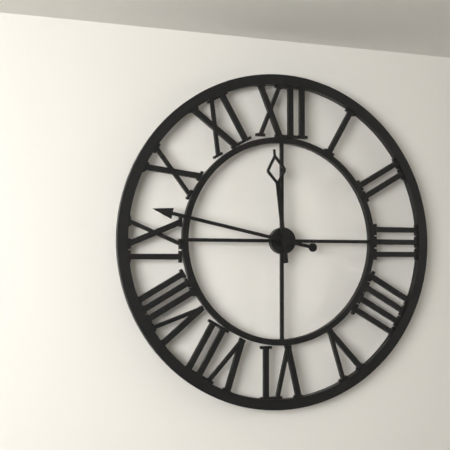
11.47
